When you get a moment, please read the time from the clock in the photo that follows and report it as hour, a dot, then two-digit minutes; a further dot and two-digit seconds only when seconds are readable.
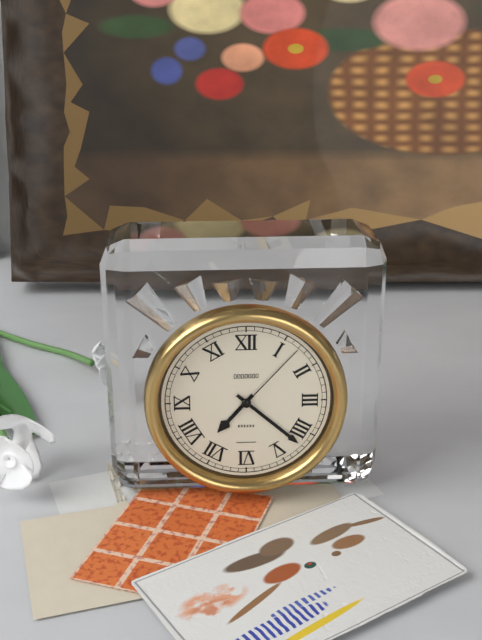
7.22.07
